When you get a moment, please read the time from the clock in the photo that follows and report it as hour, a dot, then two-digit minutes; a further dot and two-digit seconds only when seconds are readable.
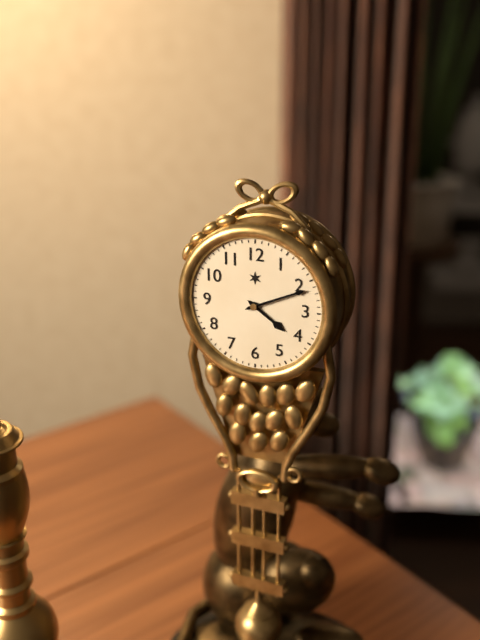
4.11
